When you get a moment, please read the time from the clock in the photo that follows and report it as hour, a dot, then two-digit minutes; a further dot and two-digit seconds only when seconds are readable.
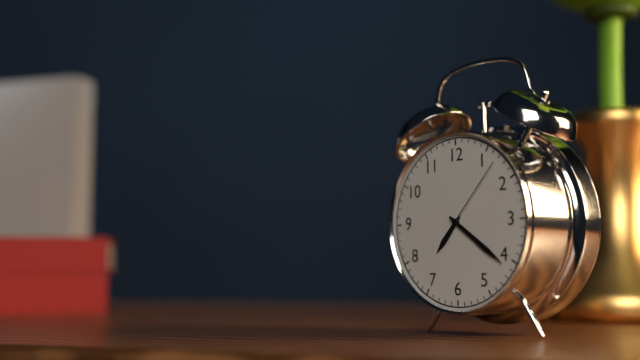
7.21.07
